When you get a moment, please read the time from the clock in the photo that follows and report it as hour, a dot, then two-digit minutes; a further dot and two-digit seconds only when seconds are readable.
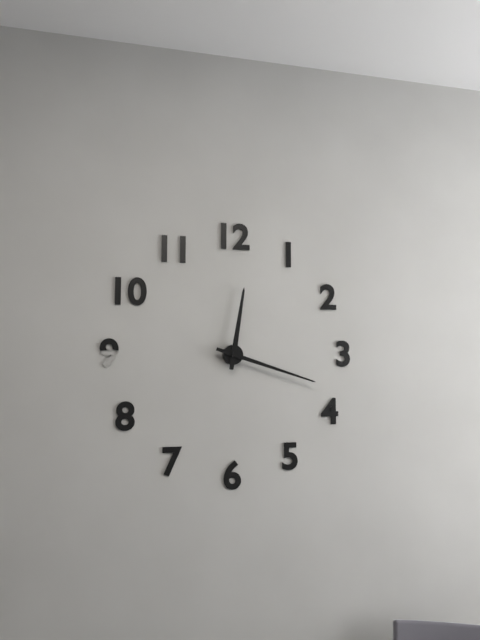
12.18
